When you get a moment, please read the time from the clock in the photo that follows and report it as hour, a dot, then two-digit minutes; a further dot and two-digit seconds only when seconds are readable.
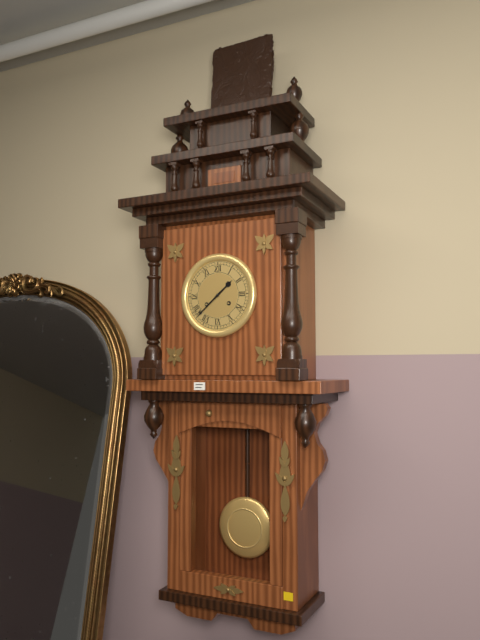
1.38
